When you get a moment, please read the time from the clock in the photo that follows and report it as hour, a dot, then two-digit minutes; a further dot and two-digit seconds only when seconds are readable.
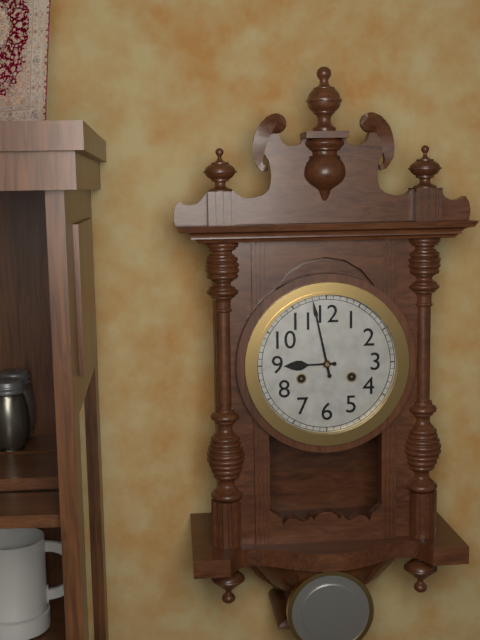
8.58
